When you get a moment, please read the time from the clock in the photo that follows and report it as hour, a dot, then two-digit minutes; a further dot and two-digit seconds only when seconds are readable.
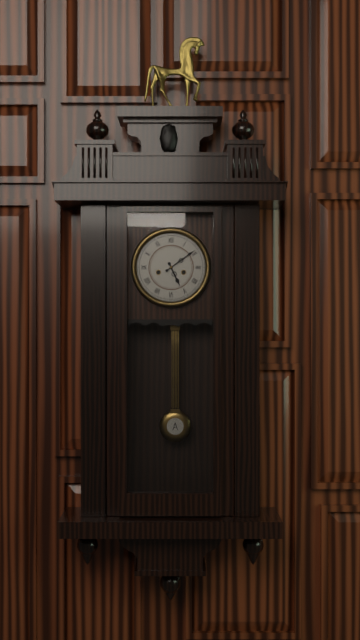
5.09
